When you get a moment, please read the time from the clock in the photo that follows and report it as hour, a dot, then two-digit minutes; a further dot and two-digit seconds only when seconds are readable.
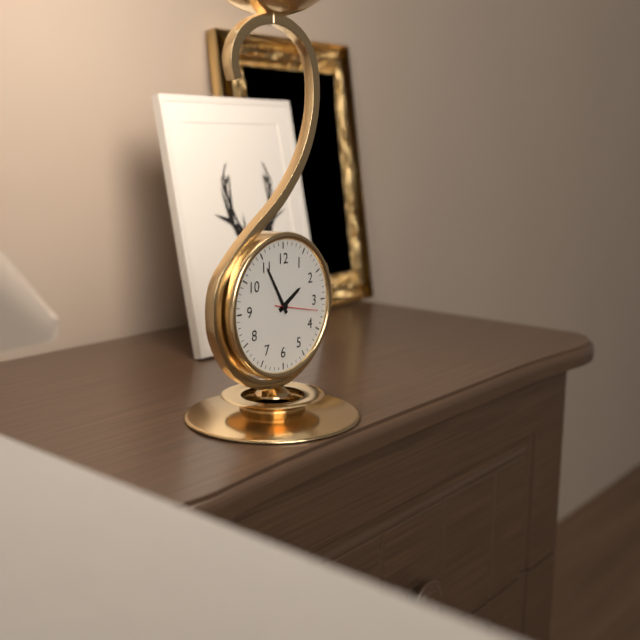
1.55
